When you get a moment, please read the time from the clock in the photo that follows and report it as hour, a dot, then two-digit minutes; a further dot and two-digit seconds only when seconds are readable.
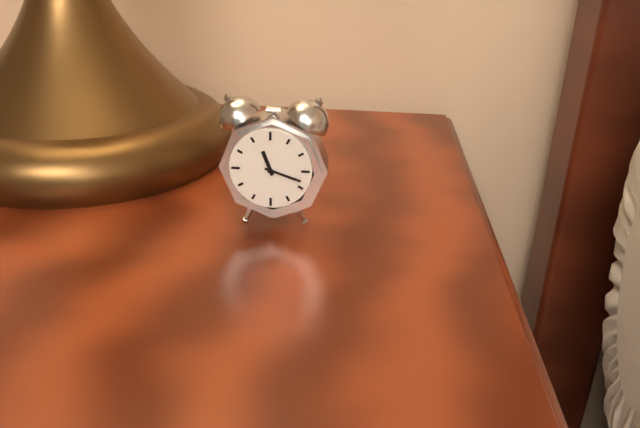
11.18
